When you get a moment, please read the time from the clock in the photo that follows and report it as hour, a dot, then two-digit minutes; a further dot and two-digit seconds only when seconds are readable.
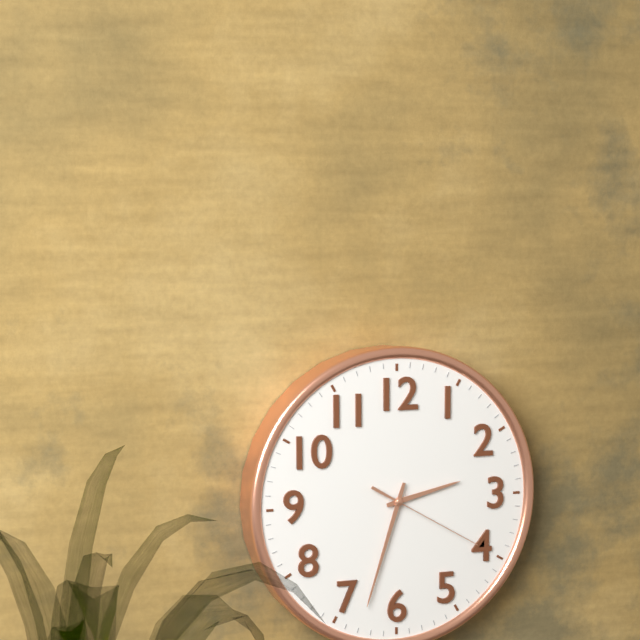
2.33.20
